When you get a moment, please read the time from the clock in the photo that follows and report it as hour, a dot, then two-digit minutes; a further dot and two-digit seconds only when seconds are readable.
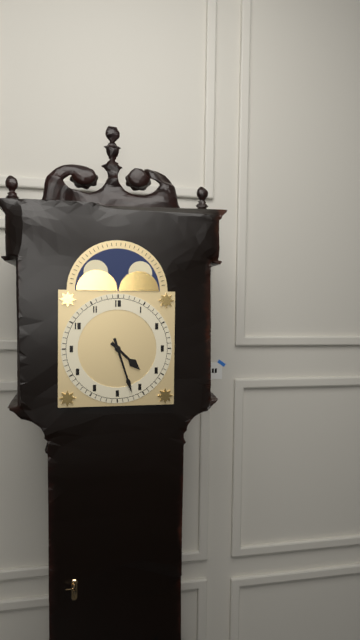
4.27
